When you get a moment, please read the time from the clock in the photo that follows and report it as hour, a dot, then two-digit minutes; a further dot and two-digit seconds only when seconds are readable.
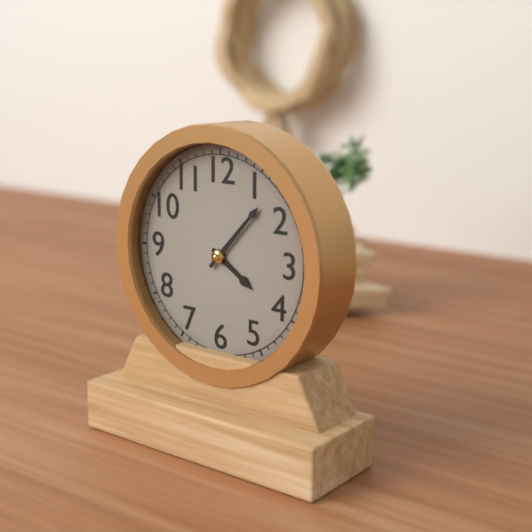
4.07
